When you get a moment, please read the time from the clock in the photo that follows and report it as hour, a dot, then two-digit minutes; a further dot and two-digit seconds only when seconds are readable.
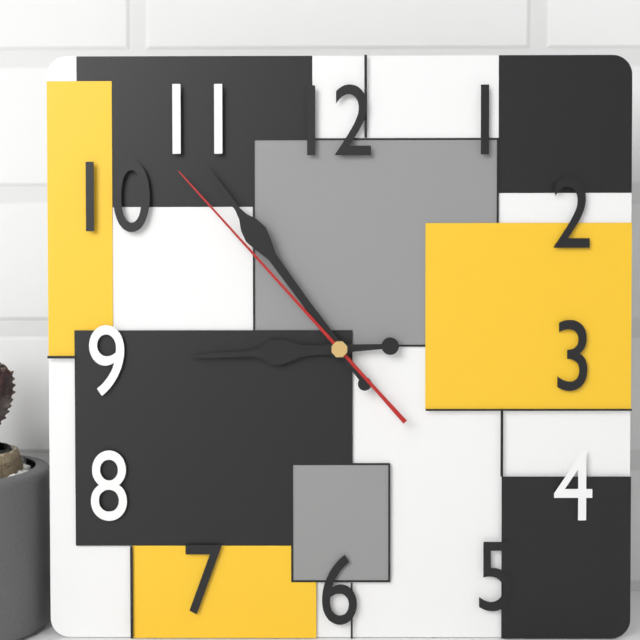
8.54.53
